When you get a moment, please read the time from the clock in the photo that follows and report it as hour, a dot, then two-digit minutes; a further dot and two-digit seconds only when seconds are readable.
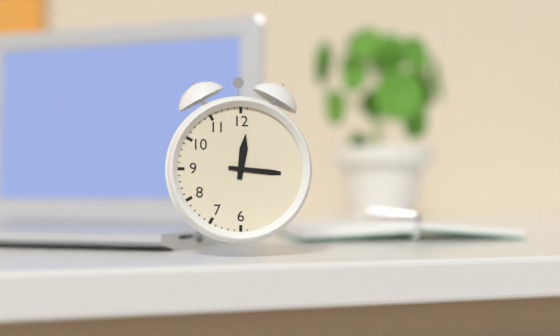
12.16
